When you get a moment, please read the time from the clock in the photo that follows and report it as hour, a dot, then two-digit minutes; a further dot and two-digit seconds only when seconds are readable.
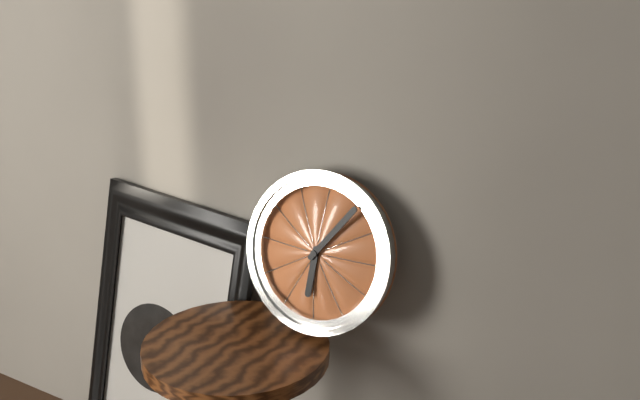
6.06
